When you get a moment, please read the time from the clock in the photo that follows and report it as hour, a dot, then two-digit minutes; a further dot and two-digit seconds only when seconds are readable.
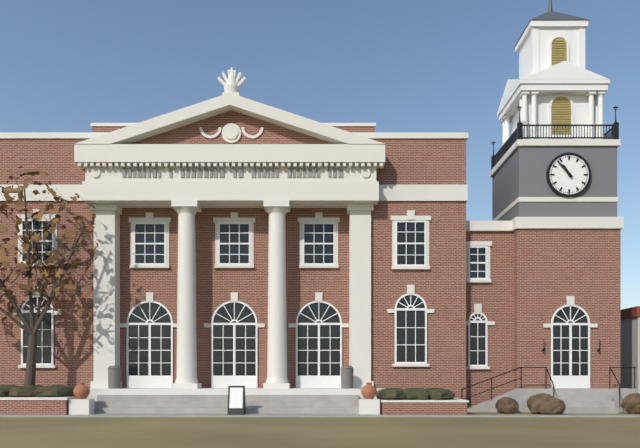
10.53
